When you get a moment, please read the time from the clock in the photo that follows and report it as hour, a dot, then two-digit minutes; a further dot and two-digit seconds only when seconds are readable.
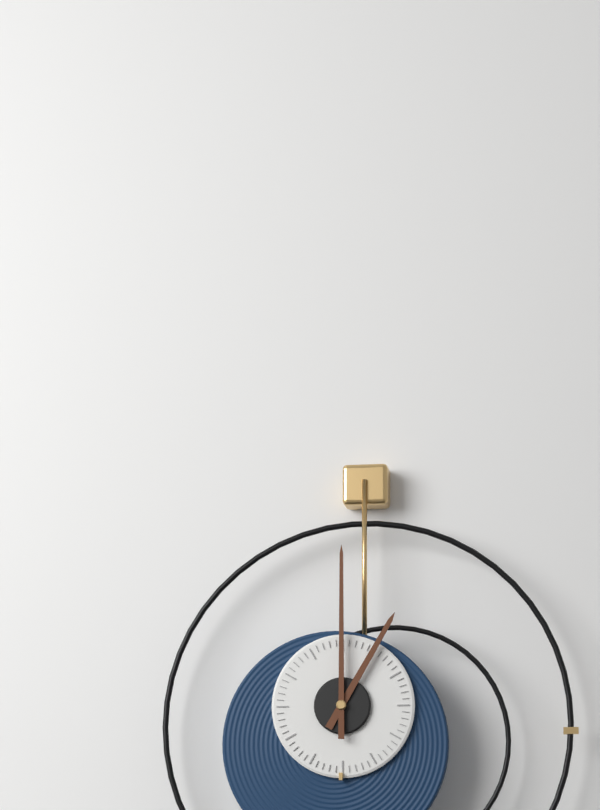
1.00
